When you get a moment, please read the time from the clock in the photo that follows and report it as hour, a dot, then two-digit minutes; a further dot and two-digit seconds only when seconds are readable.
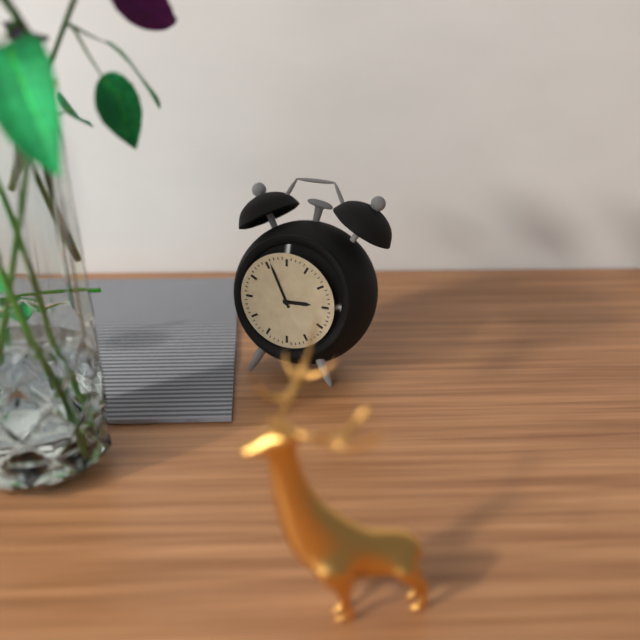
2.56
